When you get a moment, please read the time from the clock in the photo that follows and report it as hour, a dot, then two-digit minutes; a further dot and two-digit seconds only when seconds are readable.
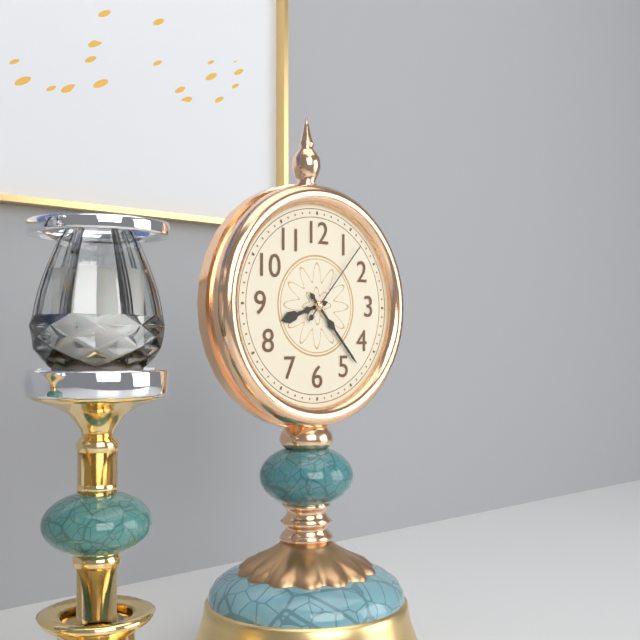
8.23.07
